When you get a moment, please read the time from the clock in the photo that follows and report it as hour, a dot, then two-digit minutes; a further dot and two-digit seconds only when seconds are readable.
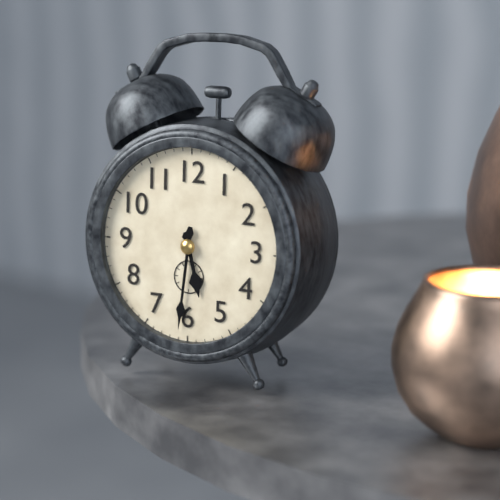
5.31
